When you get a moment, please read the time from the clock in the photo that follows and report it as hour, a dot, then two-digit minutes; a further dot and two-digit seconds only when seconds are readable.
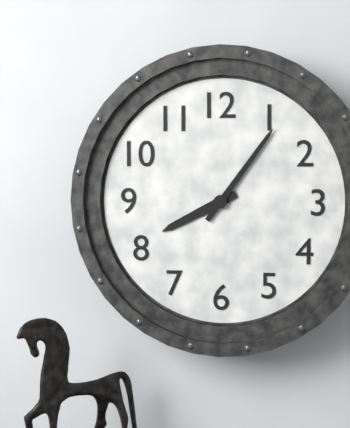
8.06
